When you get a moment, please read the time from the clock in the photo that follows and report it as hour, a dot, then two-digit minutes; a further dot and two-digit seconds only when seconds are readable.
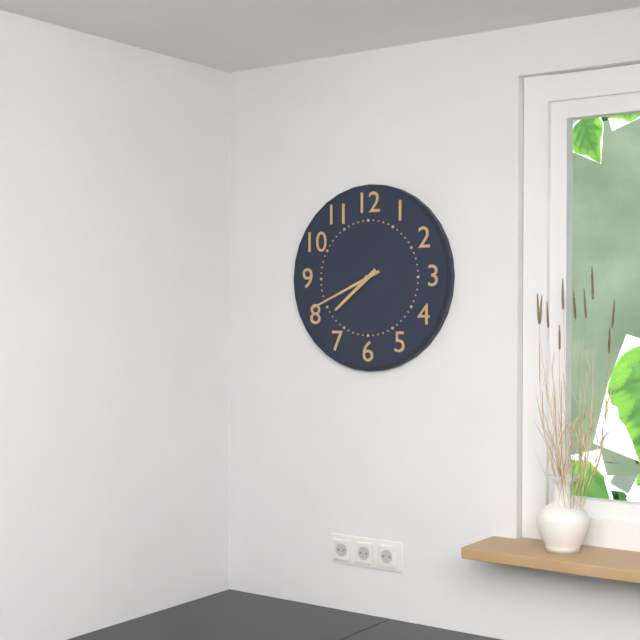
7.41
